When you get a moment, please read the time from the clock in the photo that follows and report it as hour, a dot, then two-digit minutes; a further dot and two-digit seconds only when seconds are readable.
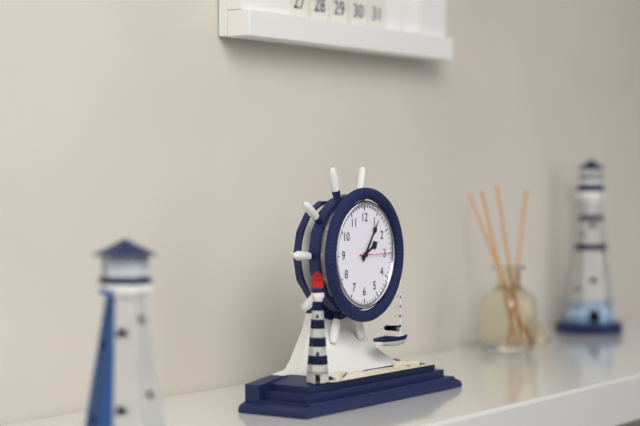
2.06
